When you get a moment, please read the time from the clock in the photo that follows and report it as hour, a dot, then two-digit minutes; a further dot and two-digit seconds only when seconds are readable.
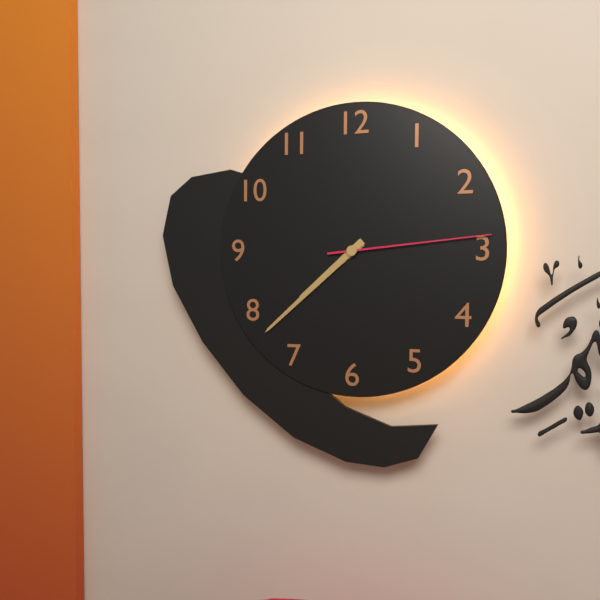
7.38.14
